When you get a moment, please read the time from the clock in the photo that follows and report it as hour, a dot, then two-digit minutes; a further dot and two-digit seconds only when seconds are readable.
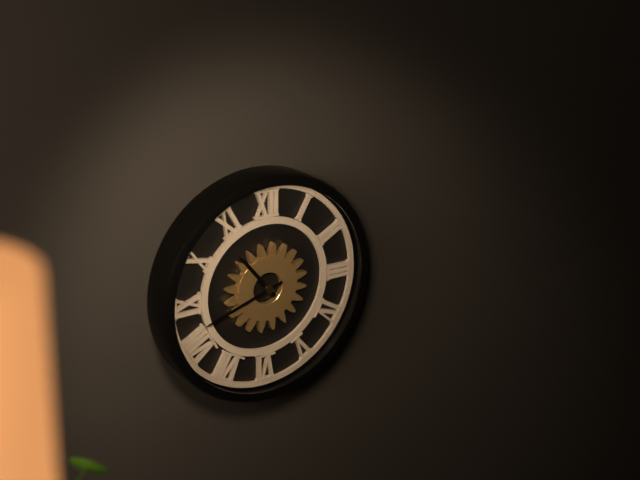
10.42
